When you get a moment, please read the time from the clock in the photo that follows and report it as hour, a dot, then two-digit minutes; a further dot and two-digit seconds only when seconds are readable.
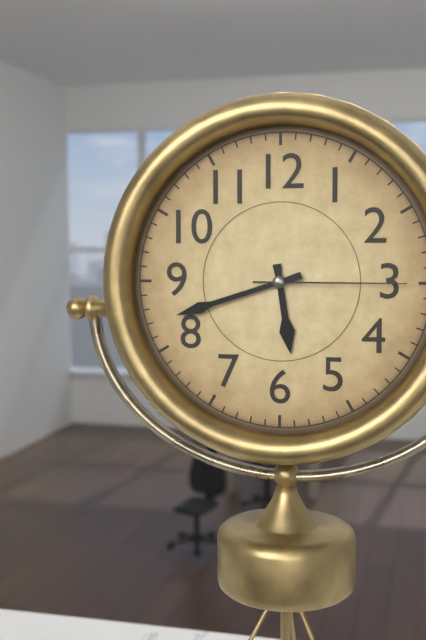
5.42.15
